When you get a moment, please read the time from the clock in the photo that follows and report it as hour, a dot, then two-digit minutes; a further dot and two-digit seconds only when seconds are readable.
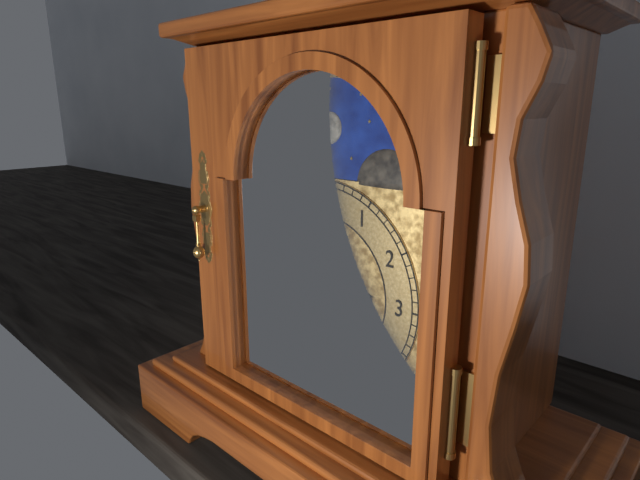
2.54
